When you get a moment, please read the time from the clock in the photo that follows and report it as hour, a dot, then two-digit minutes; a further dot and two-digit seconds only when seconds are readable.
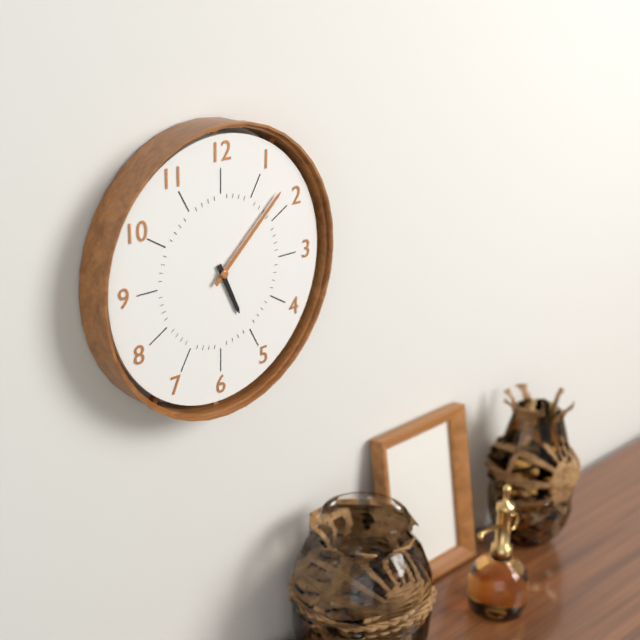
5.08
